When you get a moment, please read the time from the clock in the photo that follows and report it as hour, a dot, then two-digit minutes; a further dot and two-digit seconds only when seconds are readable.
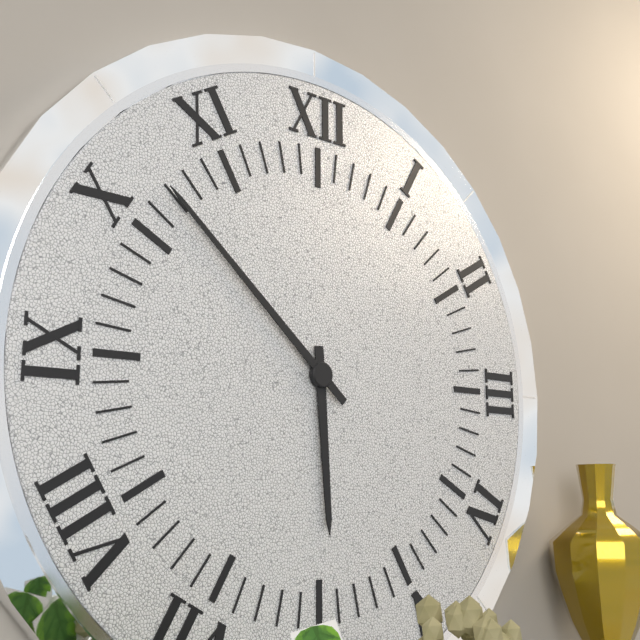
5.52
